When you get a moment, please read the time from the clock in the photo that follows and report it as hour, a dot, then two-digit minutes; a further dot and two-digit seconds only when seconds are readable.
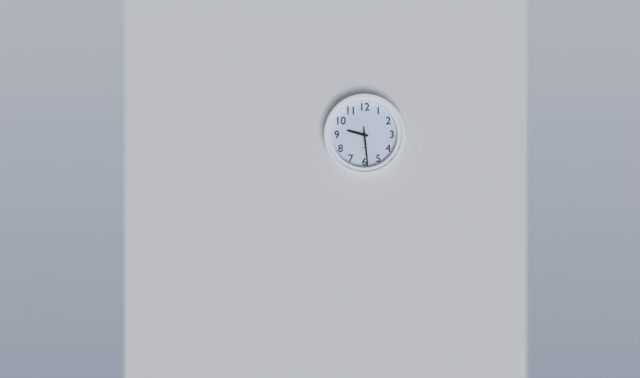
9.29
